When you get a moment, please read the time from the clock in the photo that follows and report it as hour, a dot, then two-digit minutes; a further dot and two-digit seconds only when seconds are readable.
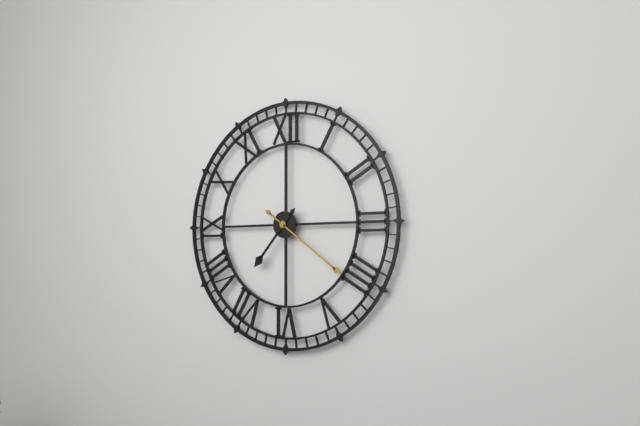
7.21
